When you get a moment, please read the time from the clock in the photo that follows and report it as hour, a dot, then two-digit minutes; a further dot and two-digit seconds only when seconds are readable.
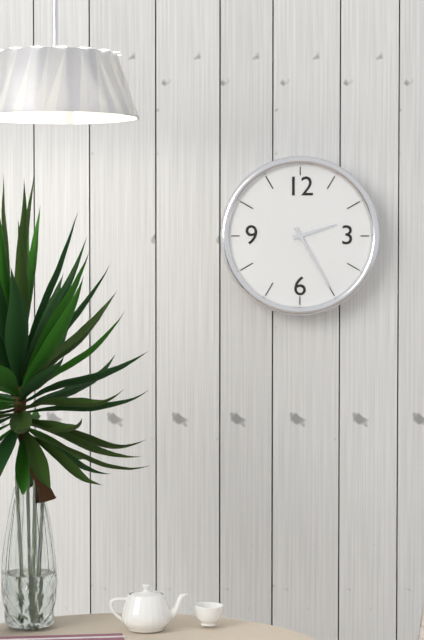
2.25
